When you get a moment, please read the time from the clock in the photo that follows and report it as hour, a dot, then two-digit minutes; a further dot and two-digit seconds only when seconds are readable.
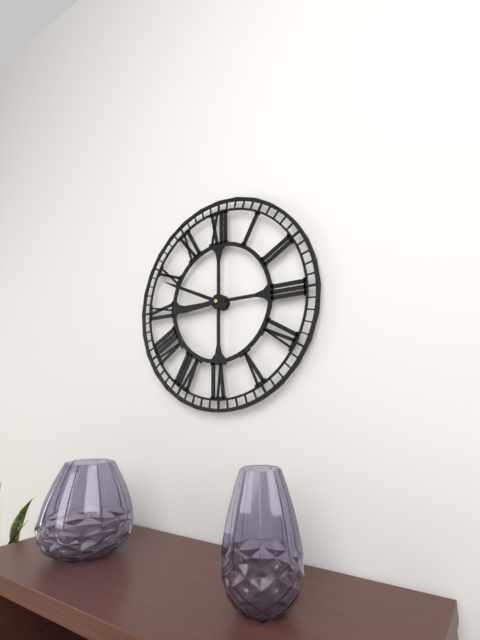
8.49
